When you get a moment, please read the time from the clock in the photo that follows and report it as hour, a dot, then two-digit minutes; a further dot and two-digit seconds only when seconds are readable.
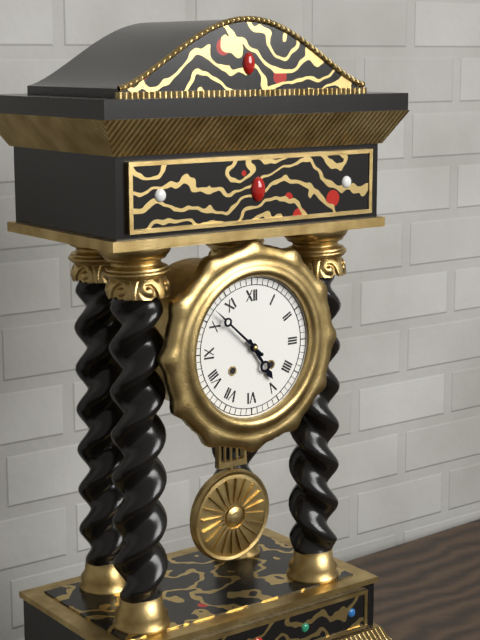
4.52
